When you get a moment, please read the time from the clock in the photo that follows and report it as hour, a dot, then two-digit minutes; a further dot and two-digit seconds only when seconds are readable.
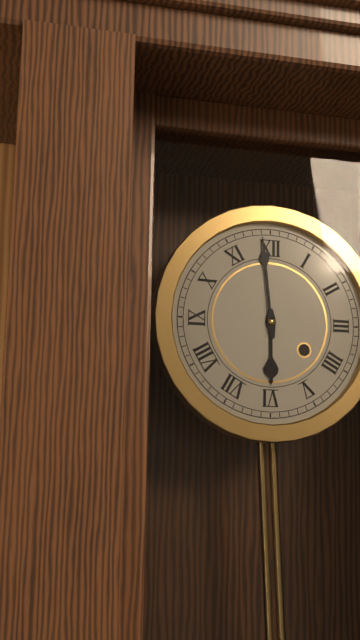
5.59
